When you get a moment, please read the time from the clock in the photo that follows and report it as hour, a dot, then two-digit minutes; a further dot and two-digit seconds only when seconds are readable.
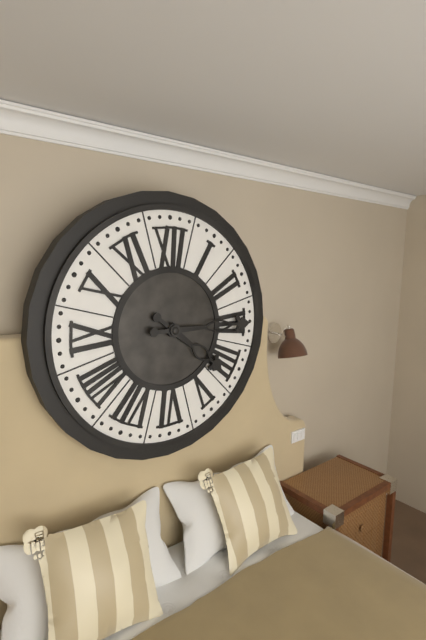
4.15
